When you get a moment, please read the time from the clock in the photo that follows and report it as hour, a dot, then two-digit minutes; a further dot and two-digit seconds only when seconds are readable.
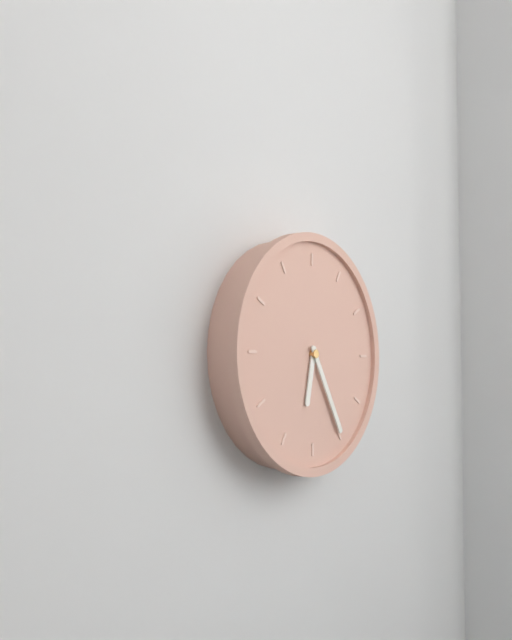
6.25
